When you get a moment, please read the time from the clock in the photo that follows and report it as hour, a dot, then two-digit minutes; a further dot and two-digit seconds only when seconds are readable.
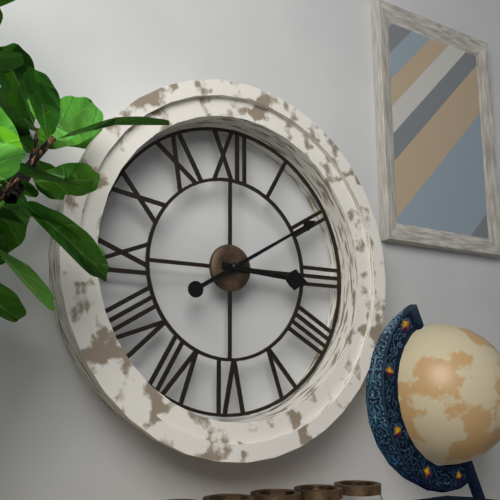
3.10
